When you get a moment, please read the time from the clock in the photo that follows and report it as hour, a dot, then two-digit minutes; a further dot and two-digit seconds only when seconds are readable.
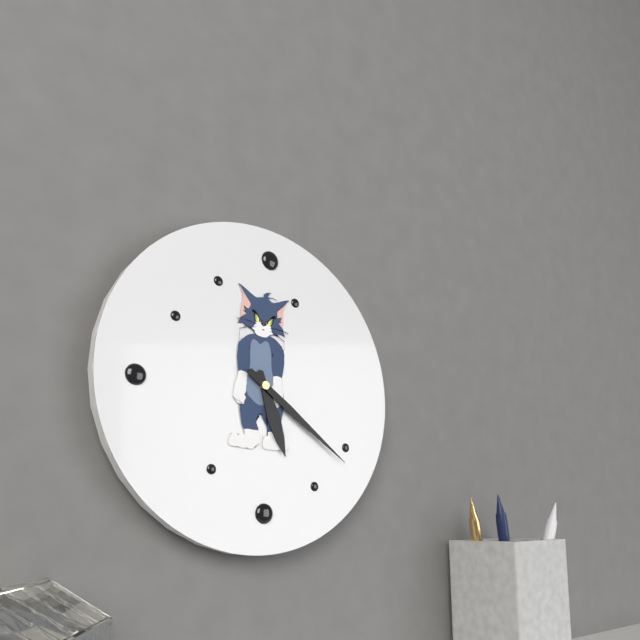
5.21
